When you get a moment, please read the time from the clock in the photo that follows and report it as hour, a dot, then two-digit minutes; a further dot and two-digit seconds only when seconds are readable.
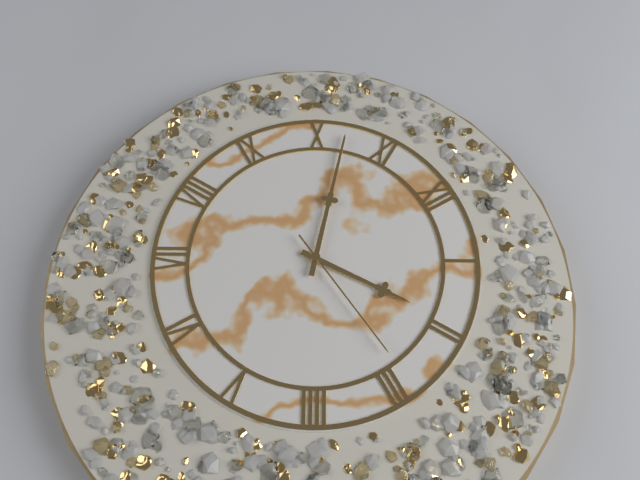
1.52.14
